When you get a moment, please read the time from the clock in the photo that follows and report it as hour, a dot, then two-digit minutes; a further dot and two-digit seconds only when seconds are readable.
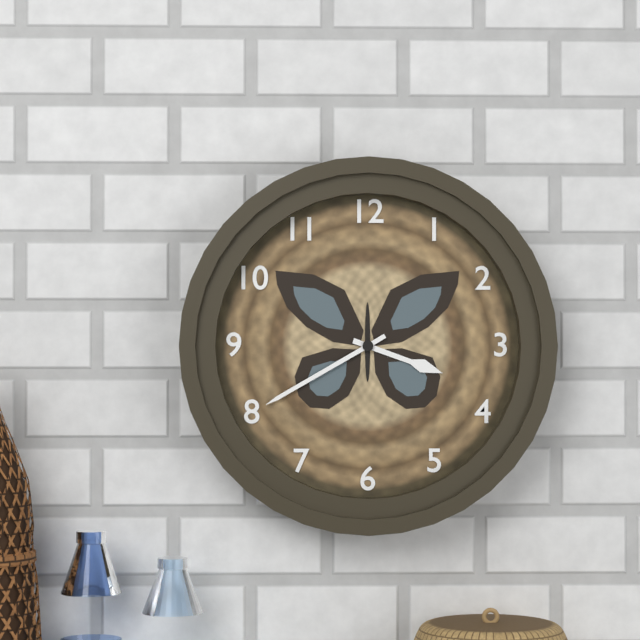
3.40
